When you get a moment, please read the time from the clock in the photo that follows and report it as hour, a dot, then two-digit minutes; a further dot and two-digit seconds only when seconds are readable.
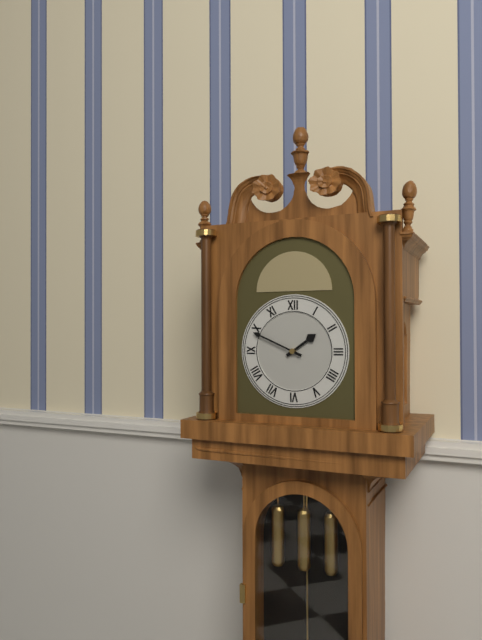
1.49
